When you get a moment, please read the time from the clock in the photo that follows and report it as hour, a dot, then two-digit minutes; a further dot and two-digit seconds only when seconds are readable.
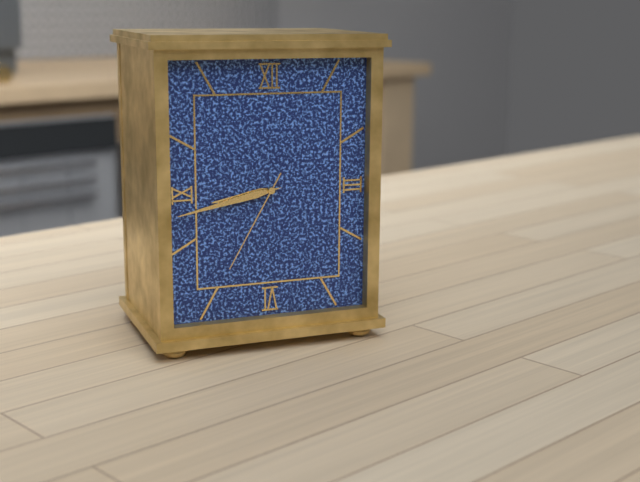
8.43.35
